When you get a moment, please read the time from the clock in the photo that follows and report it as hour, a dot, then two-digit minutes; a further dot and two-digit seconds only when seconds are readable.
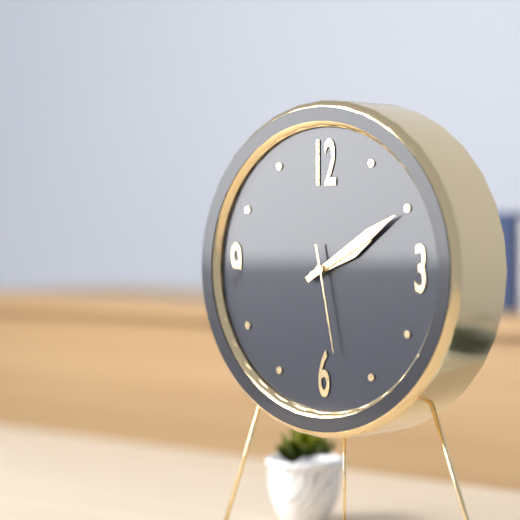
2.10.28
